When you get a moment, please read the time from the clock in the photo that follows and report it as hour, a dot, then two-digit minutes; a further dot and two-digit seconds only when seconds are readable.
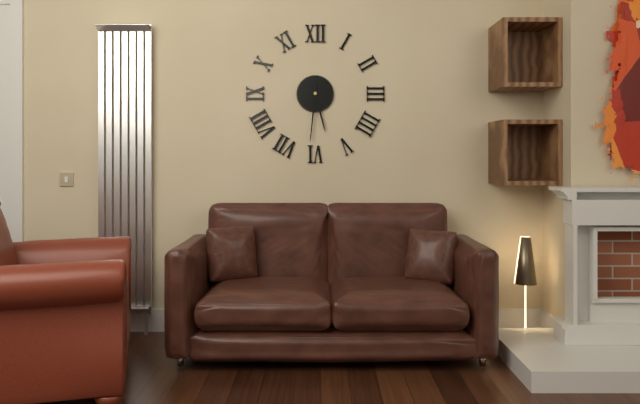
5.31
